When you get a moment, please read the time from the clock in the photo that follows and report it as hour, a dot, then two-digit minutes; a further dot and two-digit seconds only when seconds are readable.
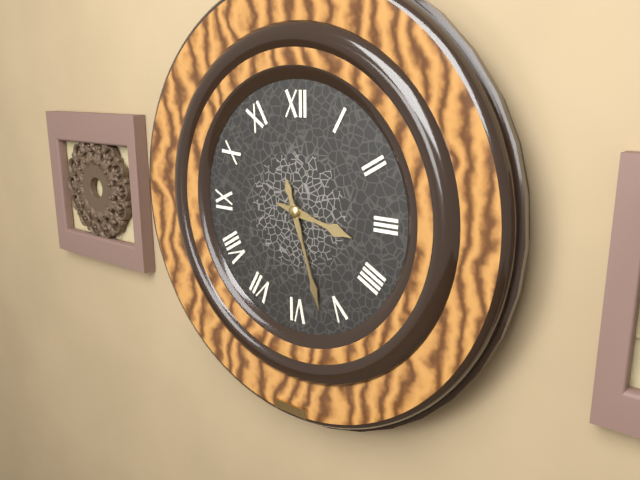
3.27
